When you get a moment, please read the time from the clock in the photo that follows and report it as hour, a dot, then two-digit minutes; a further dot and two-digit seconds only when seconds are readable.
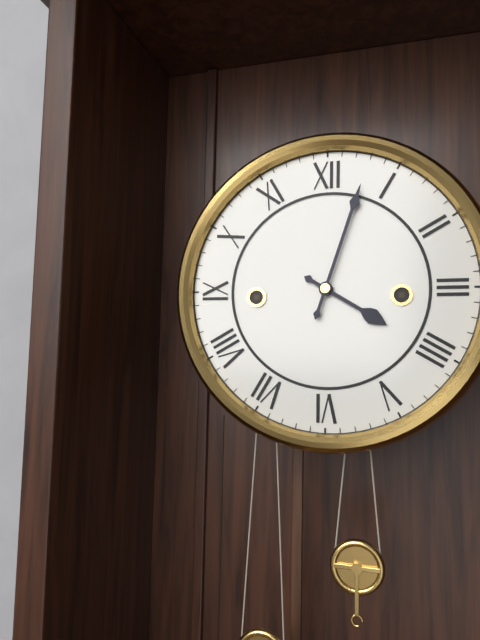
4.03
